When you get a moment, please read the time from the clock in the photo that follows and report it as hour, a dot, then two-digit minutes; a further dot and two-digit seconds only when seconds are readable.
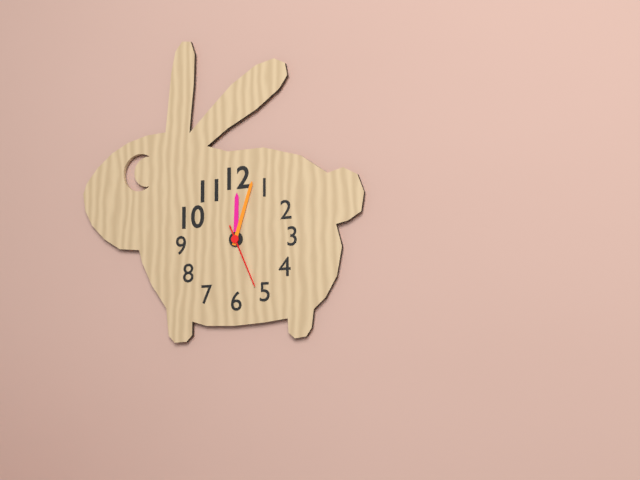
12.03.26
